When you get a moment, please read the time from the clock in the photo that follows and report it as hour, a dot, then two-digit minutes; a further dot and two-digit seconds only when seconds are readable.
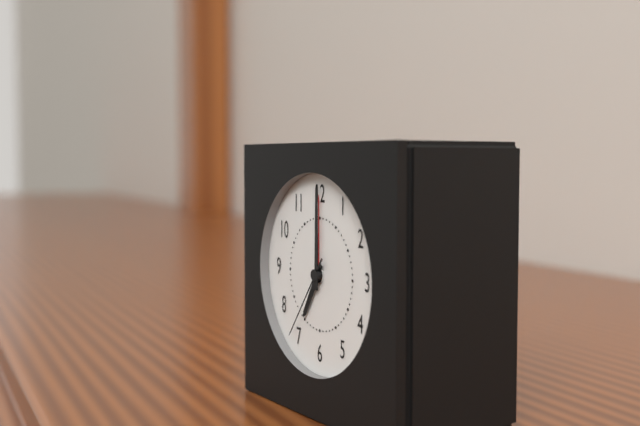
7.00.36
